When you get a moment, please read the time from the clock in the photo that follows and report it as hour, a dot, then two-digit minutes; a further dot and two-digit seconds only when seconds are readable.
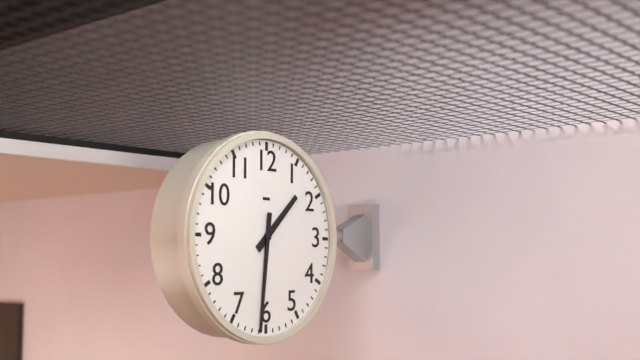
1.31
